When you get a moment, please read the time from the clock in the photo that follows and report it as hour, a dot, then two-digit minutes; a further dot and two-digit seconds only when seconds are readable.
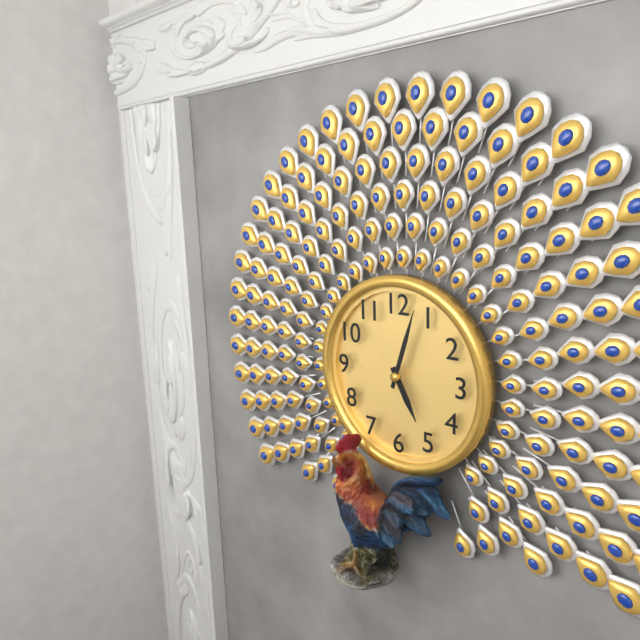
5.03
